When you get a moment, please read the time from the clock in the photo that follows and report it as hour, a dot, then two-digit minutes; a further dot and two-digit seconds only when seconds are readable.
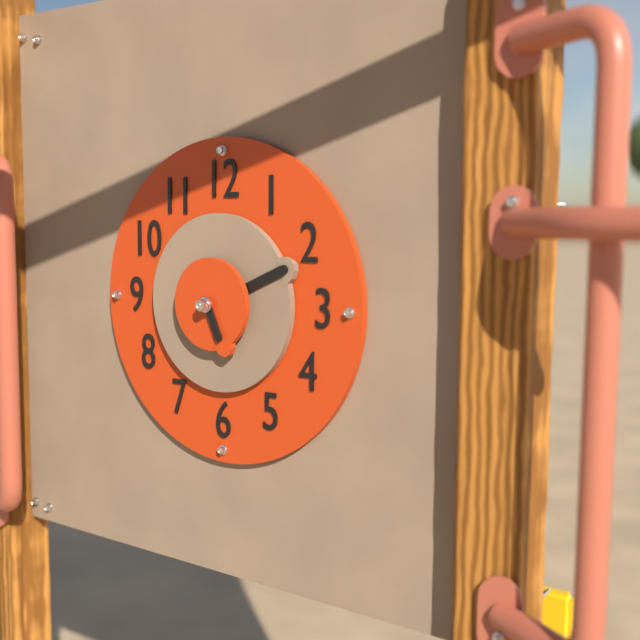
5.11
